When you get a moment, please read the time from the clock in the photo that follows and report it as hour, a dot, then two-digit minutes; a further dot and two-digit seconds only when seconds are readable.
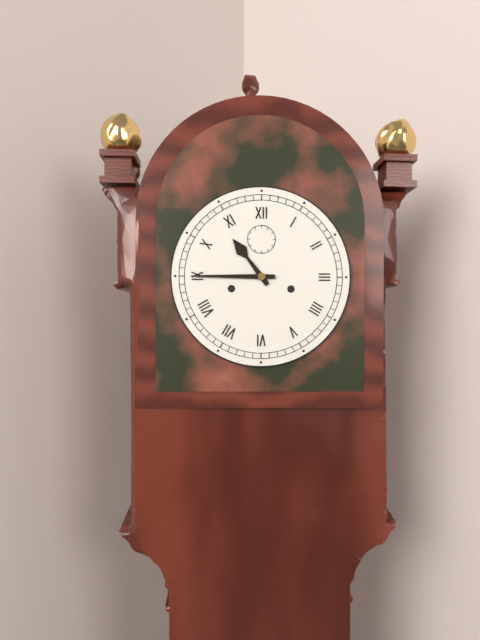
10.45
